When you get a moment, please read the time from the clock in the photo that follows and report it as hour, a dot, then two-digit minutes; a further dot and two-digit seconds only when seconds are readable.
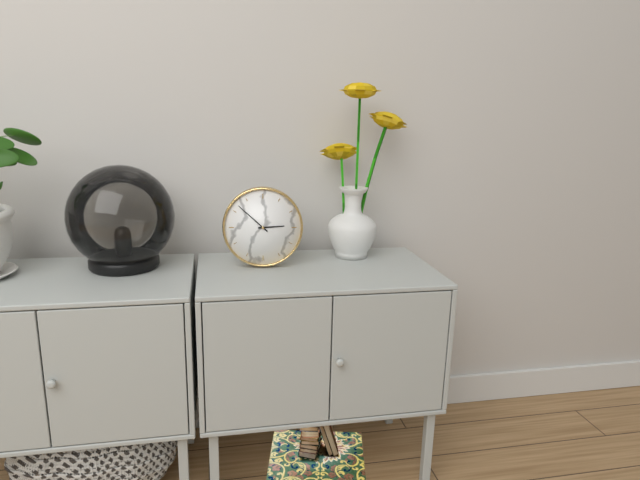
2.52
